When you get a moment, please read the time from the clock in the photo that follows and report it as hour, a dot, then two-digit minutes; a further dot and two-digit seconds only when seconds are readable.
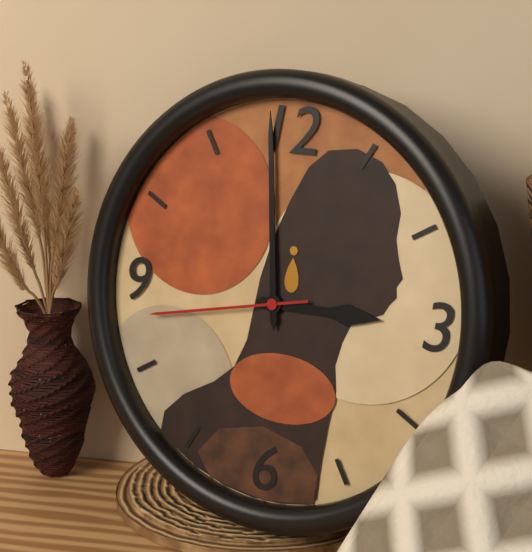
2.59.43
